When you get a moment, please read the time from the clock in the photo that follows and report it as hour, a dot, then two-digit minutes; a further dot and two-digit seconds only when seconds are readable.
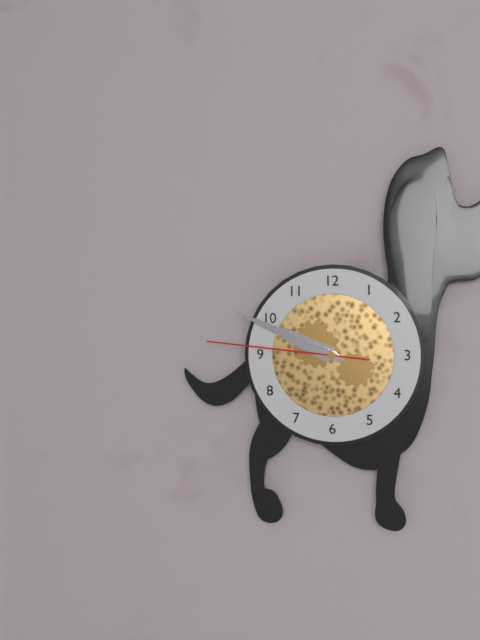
9.49.46
